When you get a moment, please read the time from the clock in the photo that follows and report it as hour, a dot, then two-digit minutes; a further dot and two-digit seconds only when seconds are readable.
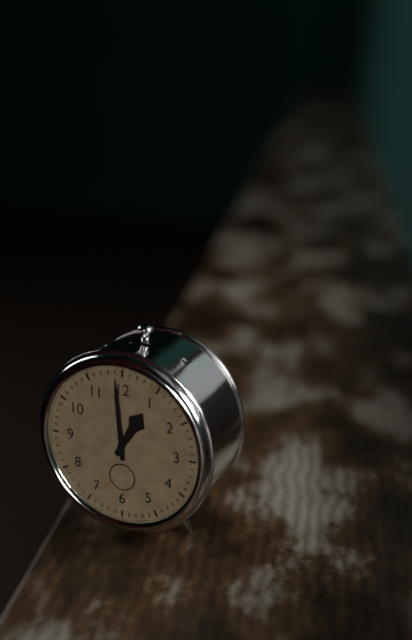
12.59
